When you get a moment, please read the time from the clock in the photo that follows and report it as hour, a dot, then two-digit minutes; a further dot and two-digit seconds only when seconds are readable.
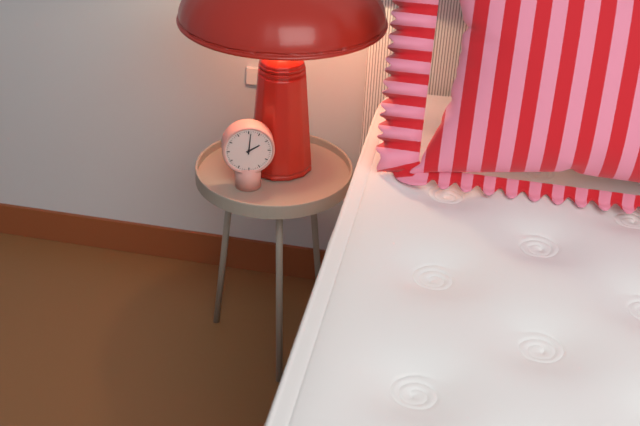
2.01
